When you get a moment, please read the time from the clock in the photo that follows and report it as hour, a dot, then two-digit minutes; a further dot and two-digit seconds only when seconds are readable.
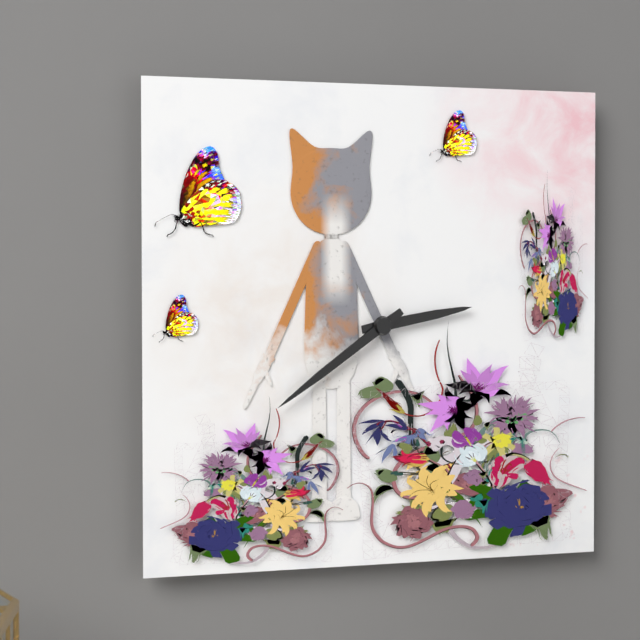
2.39
